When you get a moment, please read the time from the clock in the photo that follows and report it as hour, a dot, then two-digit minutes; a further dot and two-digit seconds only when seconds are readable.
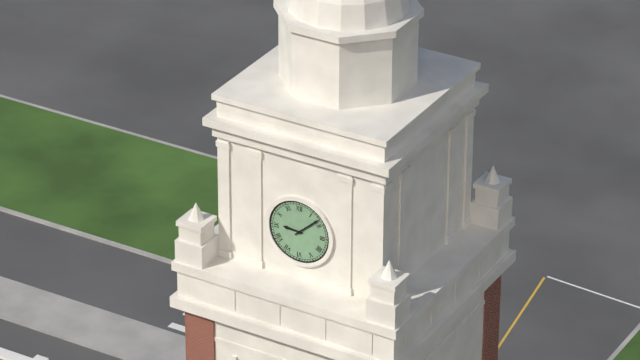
9.08
